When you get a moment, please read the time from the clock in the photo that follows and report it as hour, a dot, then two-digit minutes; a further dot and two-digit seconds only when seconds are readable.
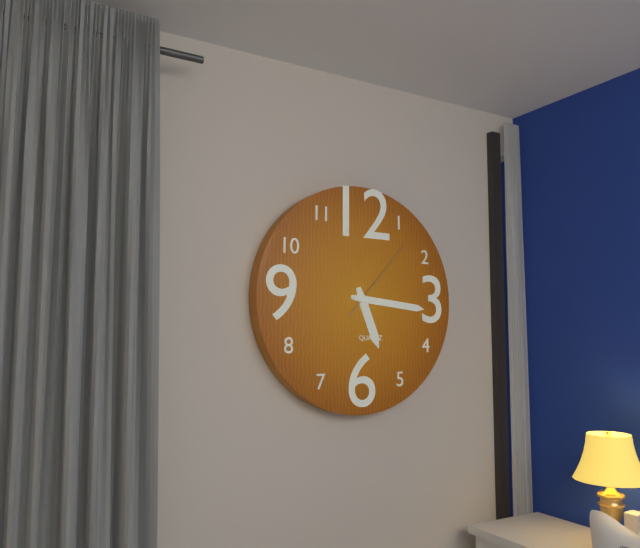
5.16.07
